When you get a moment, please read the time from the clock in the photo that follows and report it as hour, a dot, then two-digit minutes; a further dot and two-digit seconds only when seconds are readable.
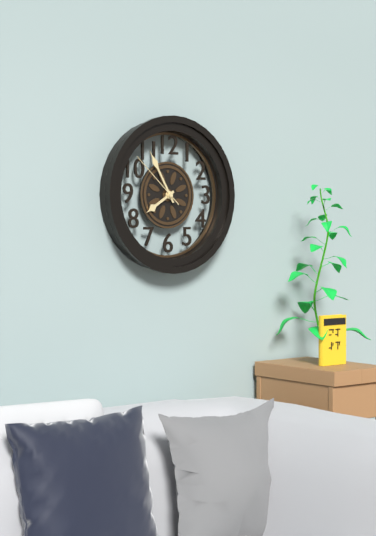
7.55.52
